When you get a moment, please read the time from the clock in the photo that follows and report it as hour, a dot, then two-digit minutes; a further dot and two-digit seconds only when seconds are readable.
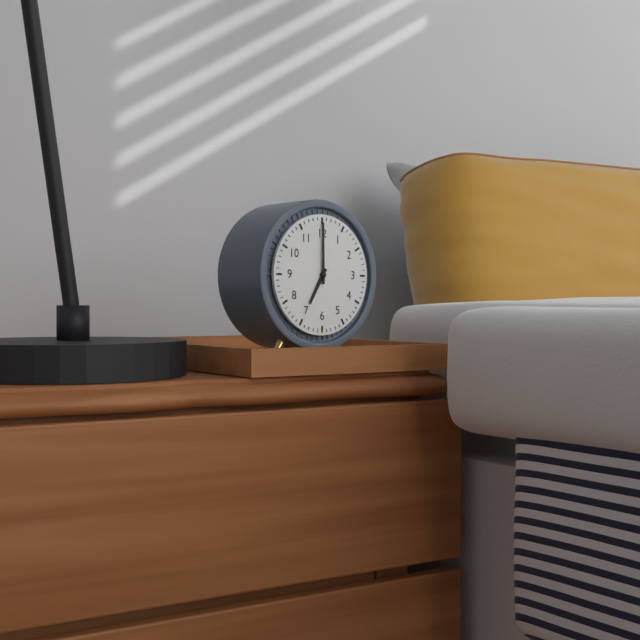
7.00
